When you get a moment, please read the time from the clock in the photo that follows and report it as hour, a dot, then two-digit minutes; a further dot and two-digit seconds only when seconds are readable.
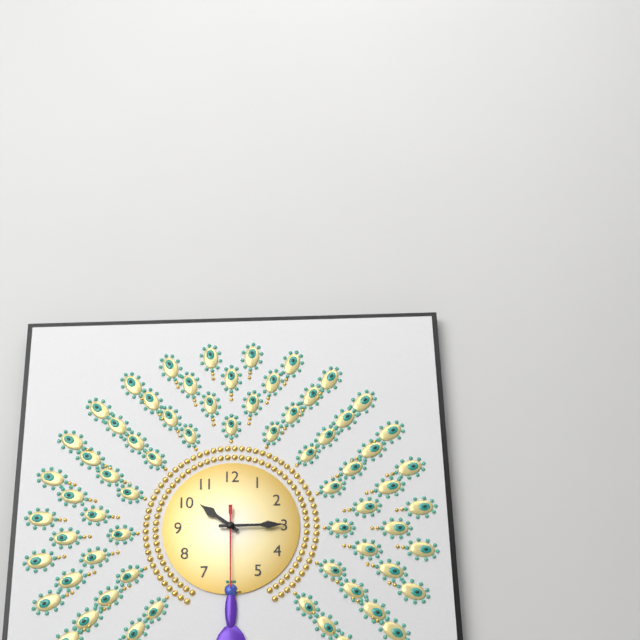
10.15.30
